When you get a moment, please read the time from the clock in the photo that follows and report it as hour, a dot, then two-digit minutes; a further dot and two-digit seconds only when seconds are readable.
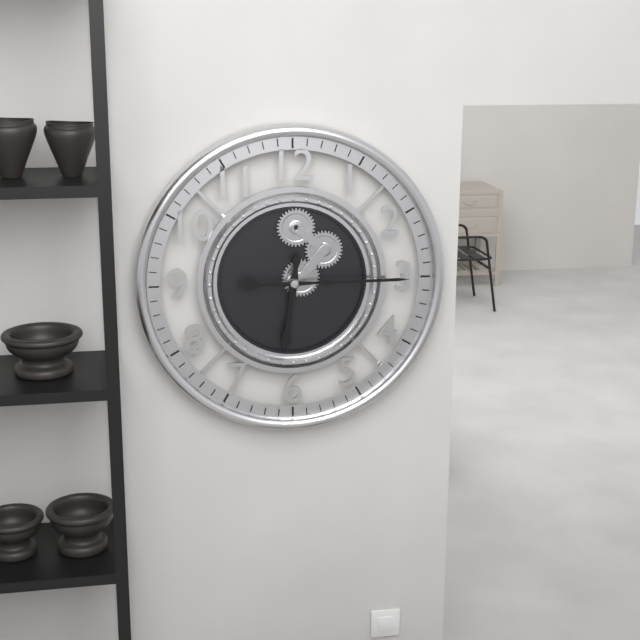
6.15
